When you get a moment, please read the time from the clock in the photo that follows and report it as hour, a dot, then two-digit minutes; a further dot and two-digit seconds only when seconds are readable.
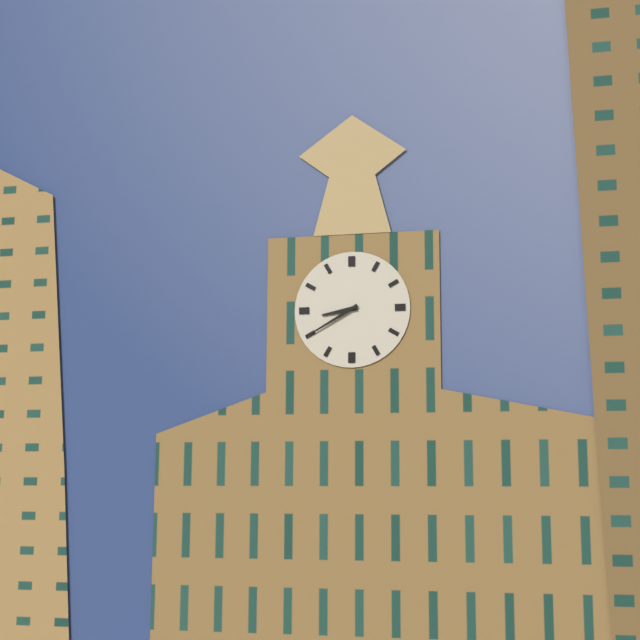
8.40
